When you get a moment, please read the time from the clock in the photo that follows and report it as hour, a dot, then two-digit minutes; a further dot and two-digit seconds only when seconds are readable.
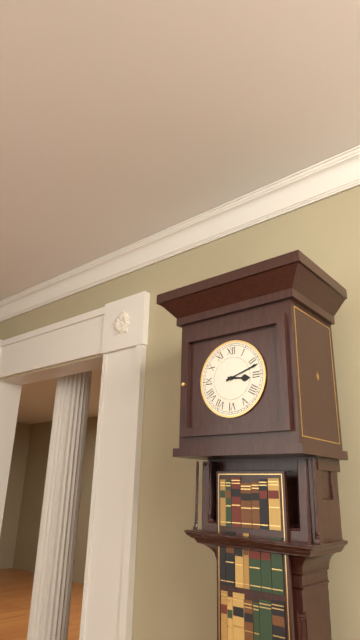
3.12
